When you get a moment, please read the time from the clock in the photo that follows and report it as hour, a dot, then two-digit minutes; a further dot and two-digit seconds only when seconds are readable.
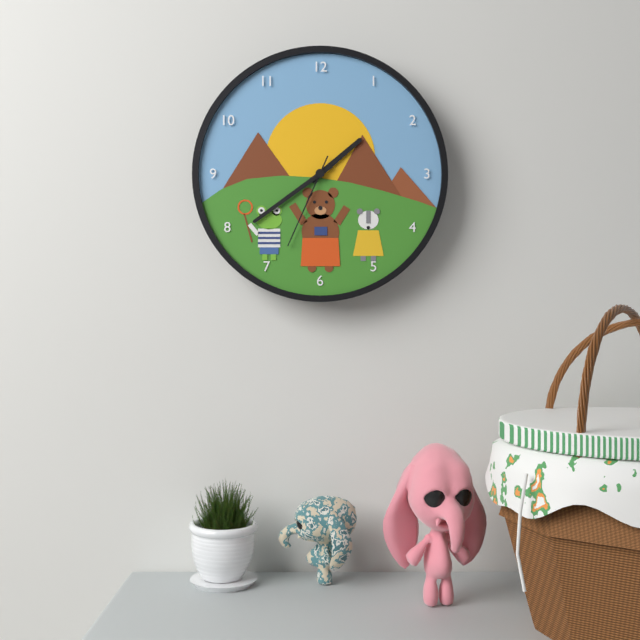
1.39.34
